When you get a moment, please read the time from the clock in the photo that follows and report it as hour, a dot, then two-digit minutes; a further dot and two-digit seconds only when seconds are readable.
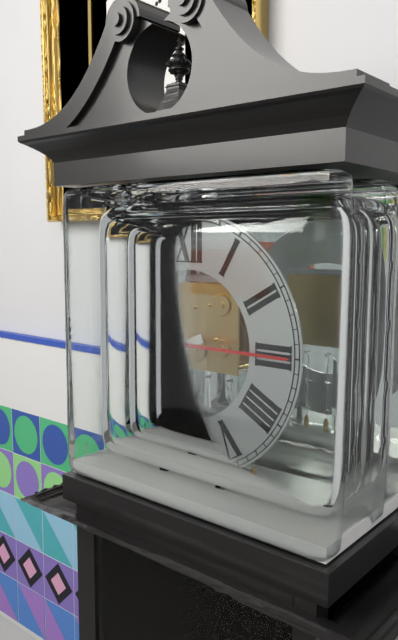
8.15
